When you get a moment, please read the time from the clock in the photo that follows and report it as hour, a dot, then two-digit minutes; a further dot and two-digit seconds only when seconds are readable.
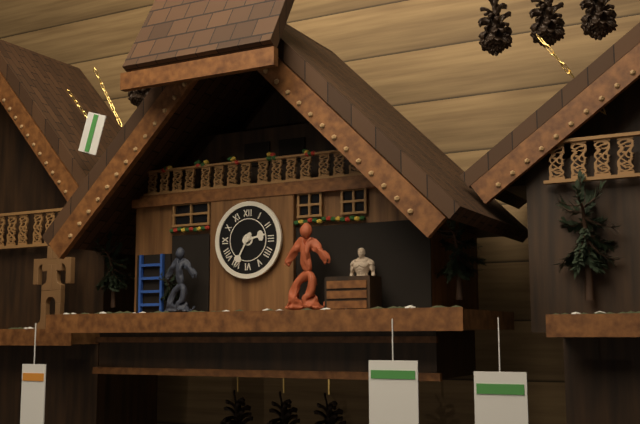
2.35
